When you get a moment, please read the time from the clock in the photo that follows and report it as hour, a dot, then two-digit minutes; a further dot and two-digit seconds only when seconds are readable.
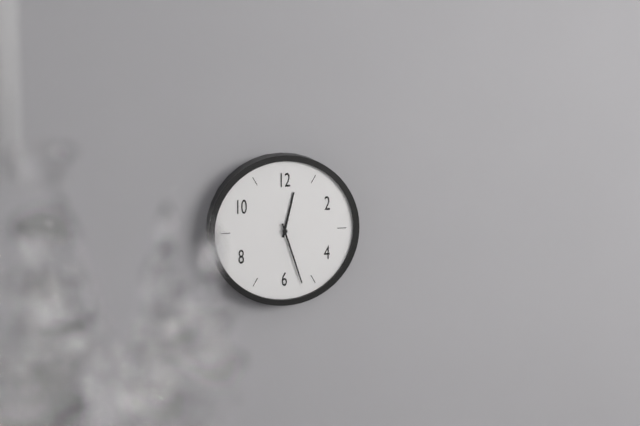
12.27
